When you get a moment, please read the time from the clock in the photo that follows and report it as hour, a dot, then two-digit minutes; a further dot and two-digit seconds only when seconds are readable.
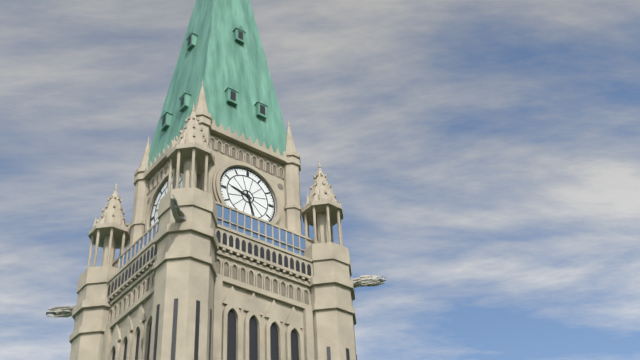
9.27
